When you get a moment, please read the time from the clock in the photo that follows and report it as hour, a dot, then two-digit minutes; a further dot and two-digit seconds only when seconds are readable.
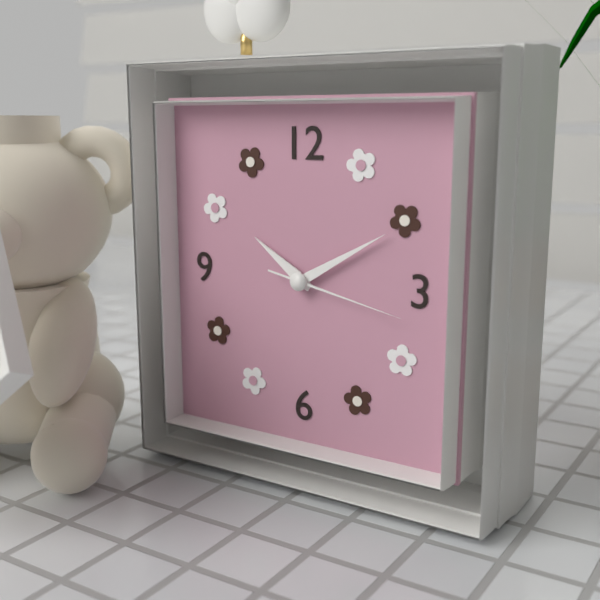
10.10.17
